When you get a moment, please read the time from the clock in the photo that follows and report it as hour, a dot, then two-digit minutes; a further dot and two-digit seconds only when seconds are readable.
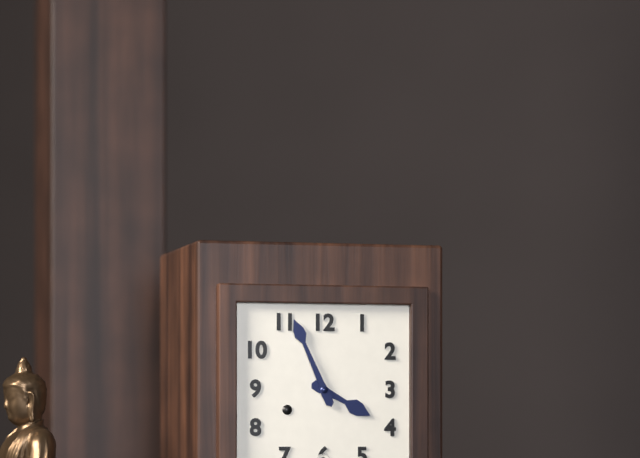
3.56
